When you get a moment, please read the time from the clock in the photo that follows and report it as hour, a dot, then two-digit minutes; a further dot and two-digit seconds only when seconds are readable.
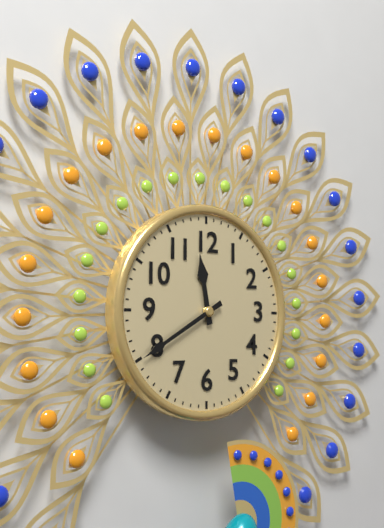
11.40
